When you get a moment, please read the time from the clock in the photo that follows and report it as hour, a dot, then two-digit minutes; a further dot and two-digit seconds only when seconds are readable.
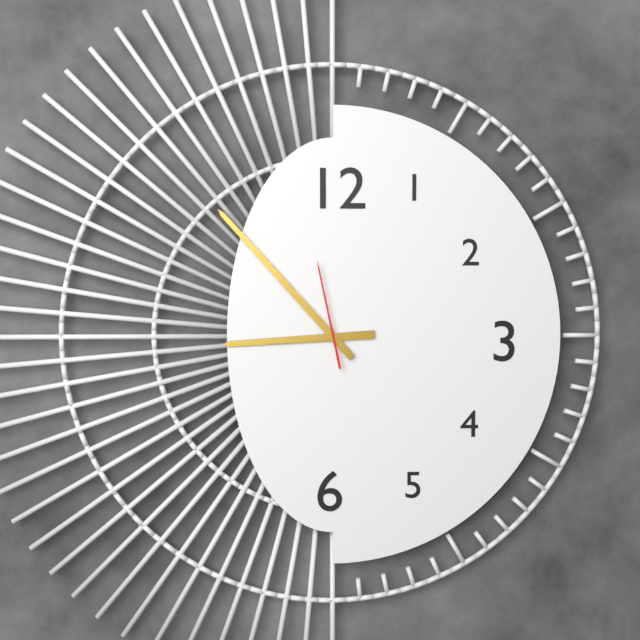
8.53.58
